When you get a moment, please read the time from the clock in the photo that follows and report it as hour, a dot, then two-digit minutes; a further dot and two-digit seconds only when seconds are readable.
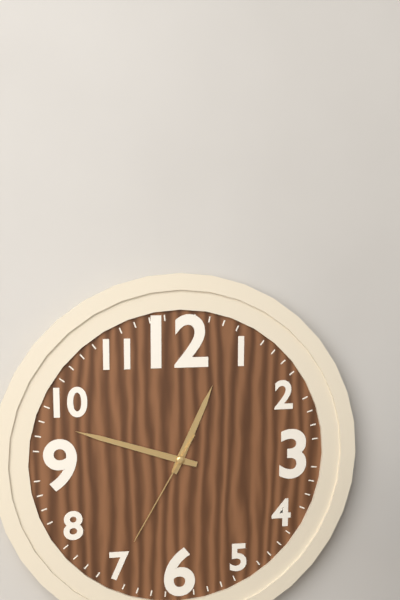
12.48.35
